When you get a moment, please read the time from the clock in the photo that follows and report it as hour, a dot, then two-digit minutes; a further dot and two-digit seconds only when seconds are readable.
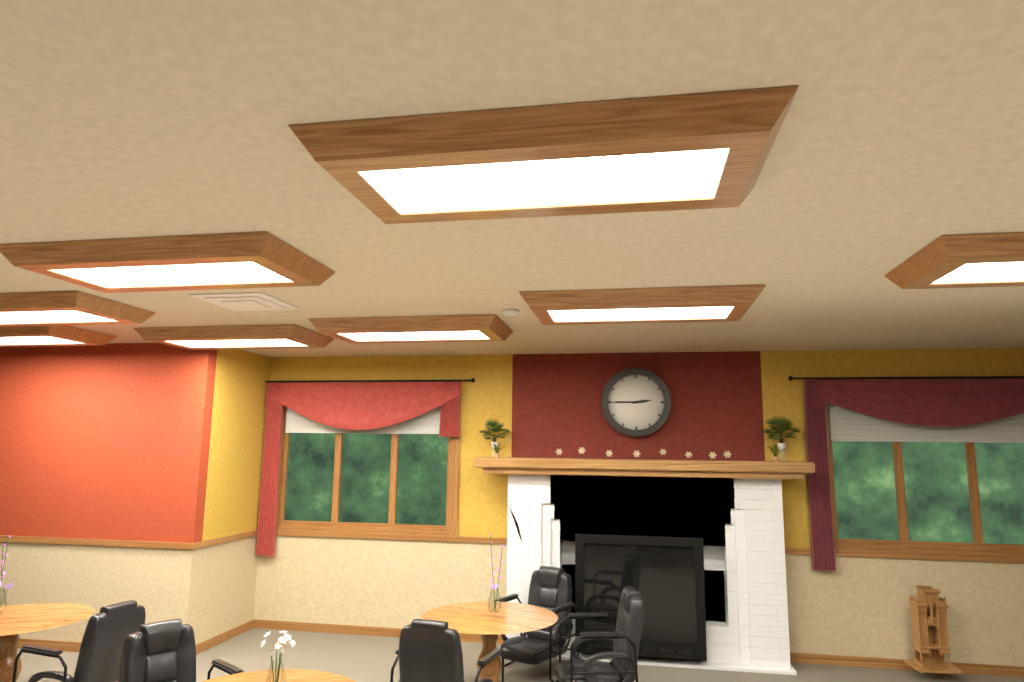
2.45
